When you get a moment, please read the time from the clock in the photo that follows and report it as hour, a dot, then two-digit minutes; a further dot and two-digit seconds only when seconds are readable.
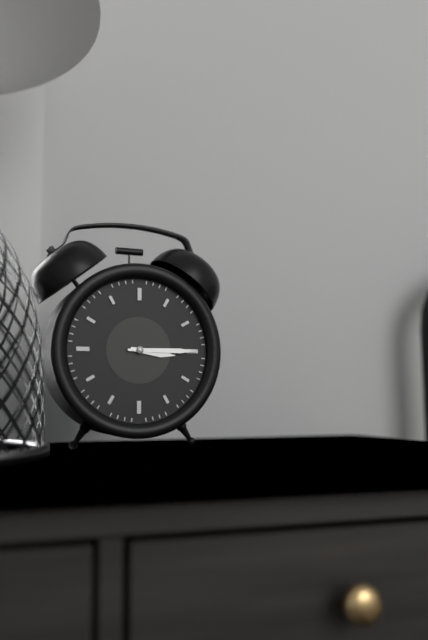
3.15
